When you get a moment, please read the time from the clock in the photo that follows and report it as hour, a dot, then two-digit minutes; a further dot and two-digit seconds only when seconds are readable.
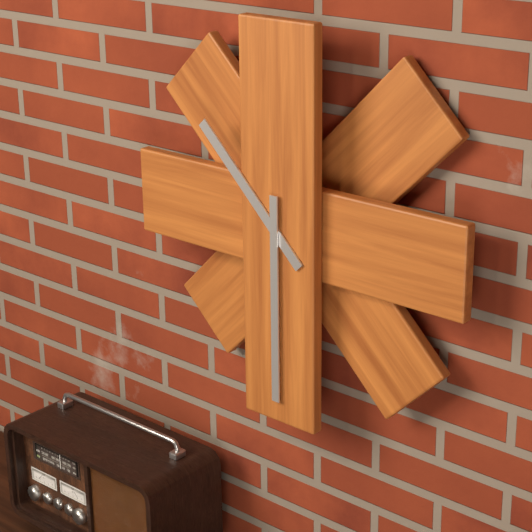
10.30
